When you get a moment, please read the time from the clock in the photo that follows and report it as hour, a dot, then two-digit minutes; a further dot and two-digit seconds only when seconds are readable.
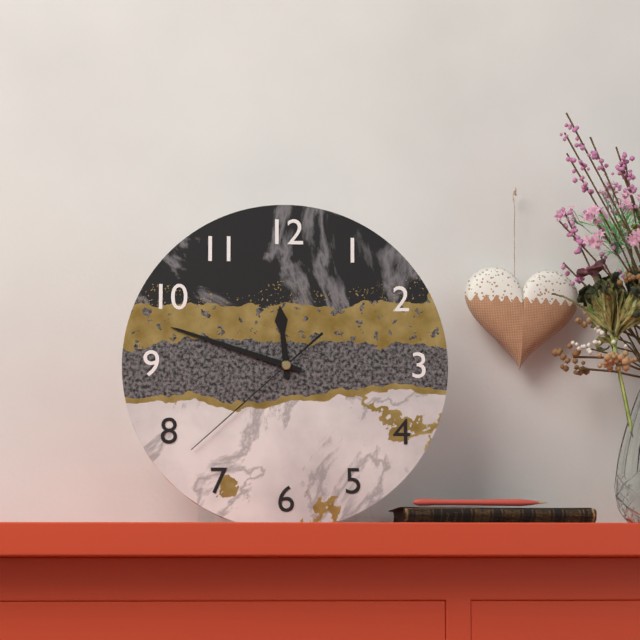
11.48.38
